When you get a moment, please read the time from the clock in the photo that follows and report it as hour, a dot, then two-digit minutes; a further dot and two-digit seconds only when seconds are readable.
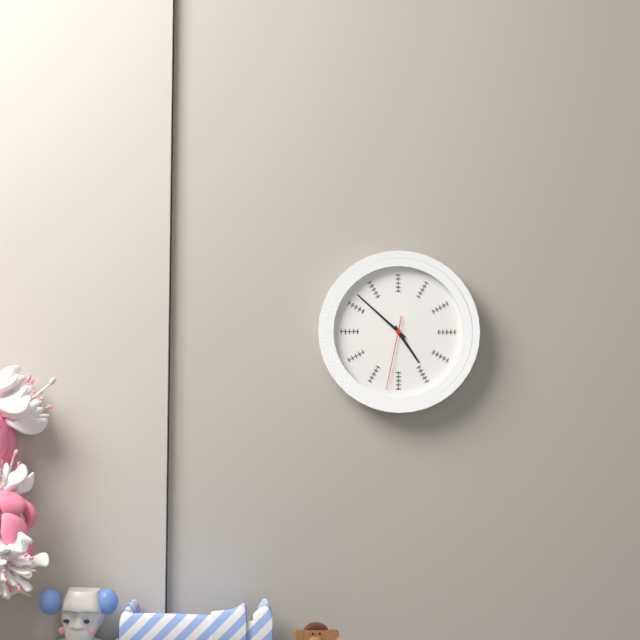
4.52.32
